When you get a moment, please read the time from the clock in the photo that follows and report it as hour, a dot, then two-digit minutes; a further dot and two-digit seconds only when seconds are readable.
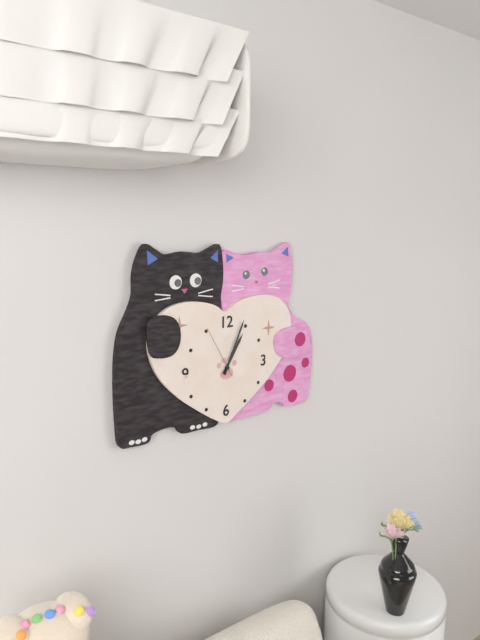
1.04
